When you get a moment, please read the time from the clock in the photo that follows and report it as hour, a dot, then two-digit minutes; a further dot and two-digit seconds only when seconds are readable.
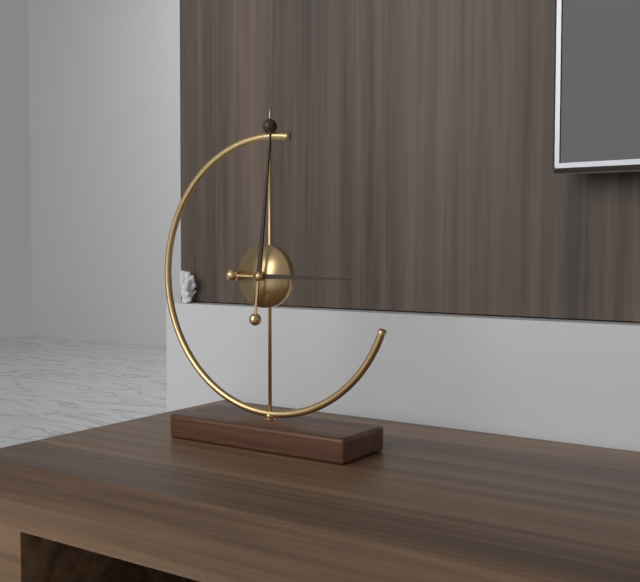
3.01
